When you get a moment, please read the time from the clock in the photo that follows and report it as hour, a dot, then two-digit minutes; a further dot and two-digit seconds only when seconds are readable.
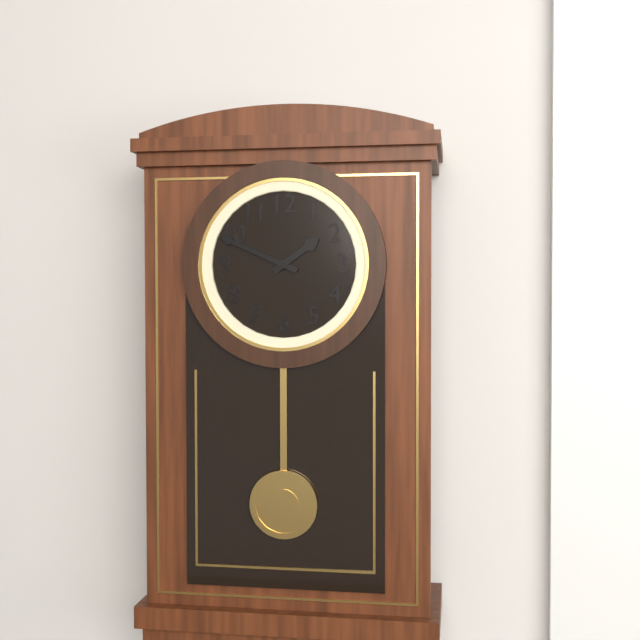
1.49
